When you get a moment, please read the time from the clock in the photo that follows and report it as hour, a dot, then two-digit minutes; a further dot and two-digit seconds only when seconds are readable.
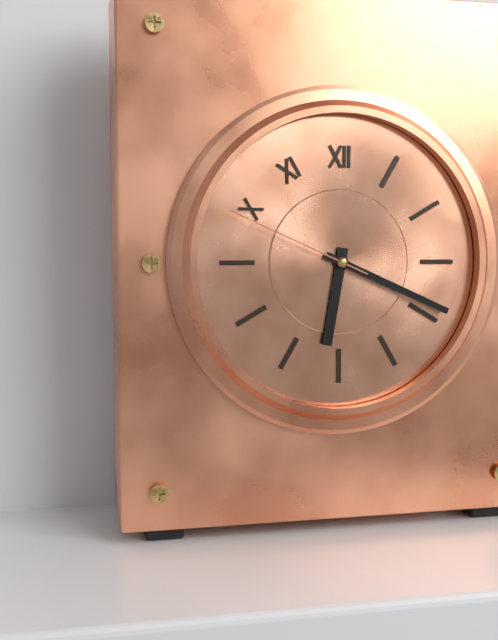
6.19.49
